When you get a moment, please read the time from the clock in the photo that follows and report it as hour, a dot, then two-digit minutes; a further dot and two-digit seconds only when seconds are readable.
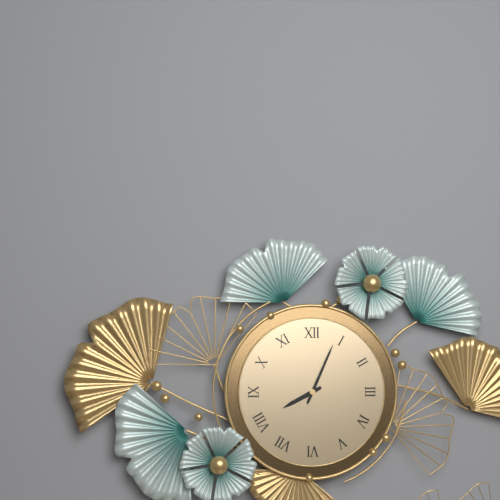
8.04
